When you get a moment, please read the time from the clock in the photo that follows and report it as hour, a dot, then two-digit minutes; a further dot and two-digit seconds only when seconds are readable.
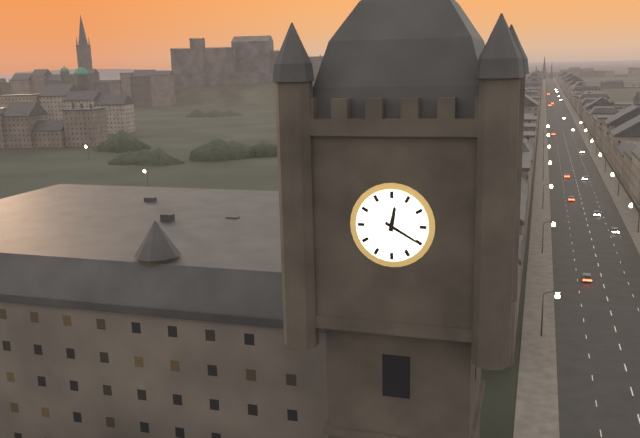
12.20
